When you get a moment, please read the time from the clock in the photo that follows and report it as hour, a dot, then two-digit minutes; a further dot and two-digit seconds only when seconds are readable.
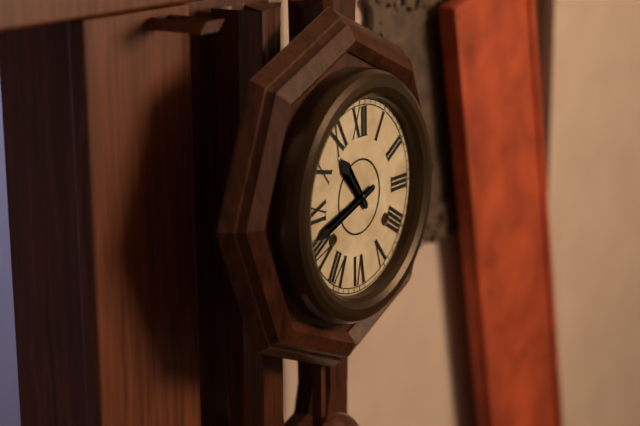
10.42
